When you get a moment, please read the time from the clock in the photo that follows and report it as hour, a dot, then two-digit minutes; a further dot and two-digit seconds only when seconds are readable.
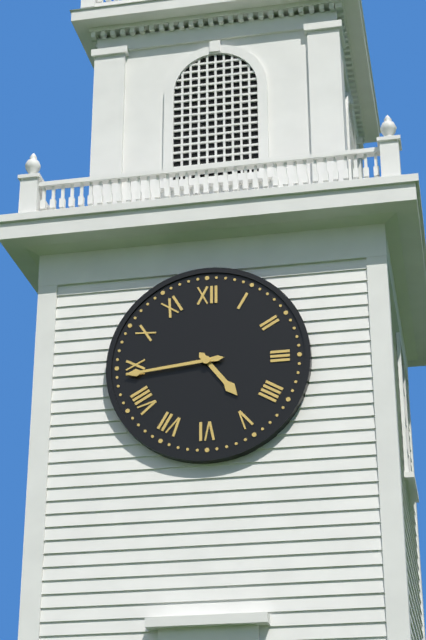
4.44
